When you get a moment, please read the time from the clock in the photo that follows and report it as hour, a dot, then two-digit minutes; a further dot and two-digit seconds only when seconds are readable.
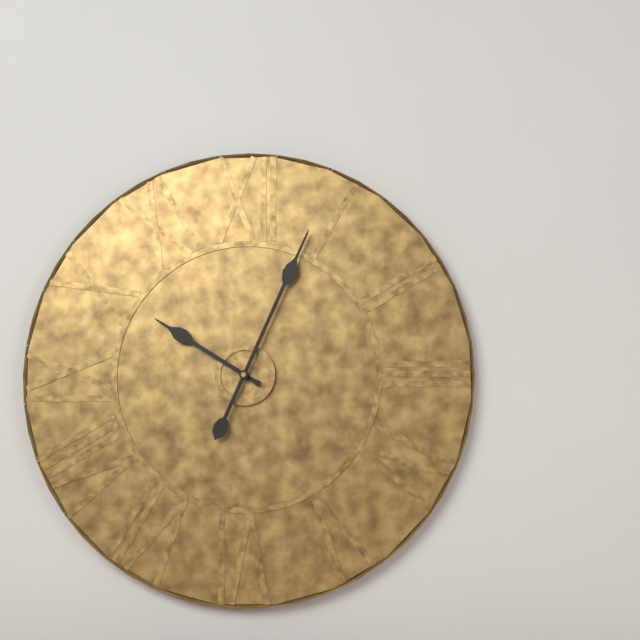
10.04
